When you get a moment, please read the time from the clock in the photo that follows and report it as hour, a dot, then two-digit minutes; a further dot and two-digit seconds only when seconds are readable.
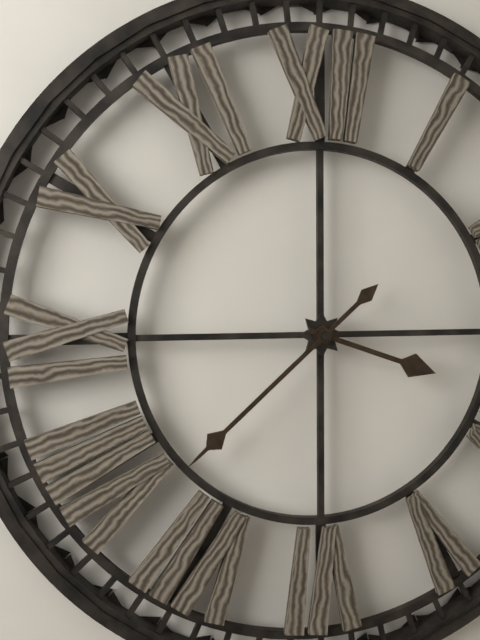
3.38
